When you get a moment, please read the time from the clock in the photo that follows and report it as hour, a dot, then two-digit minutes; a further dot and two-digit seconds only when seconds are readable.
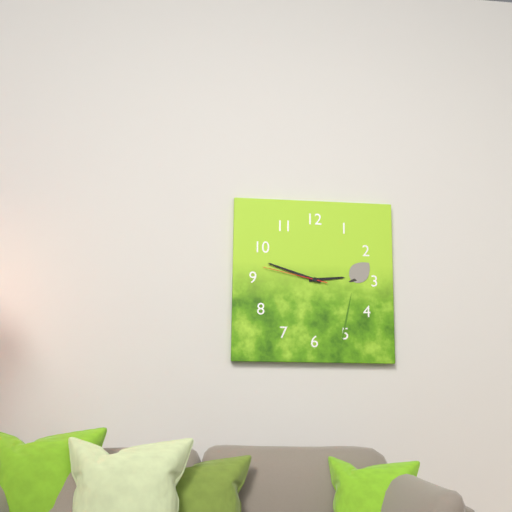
2.48.47
